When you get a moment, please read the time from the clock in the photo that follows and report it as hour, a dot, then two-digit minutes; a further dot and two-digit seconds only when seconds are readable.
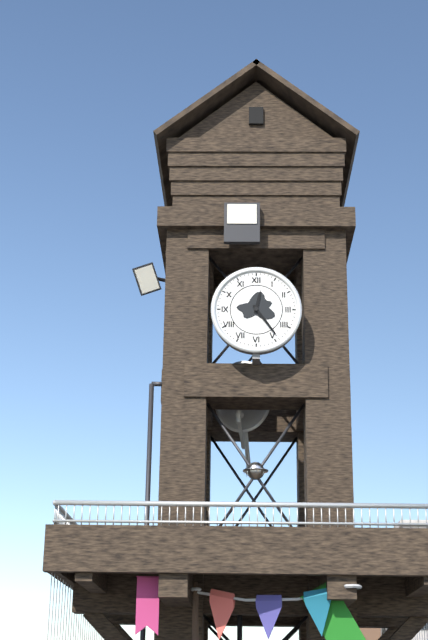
12.24
